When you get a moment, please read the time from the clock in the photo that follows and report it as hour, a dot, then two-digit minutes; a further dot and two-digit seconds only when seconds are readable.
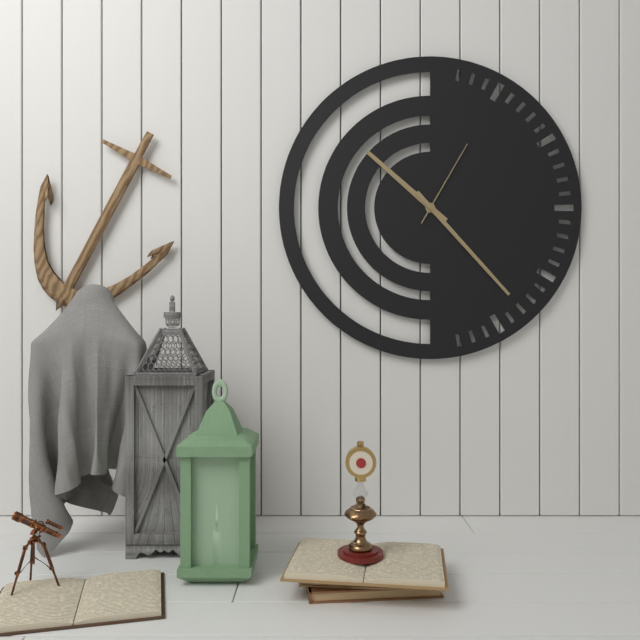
10.23.05
